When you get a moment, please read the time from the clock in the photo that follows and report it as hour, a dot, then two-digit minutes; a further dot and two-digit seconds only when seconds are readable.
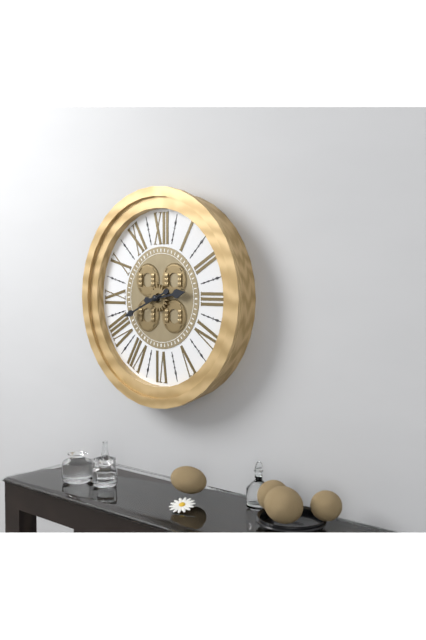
2.41
